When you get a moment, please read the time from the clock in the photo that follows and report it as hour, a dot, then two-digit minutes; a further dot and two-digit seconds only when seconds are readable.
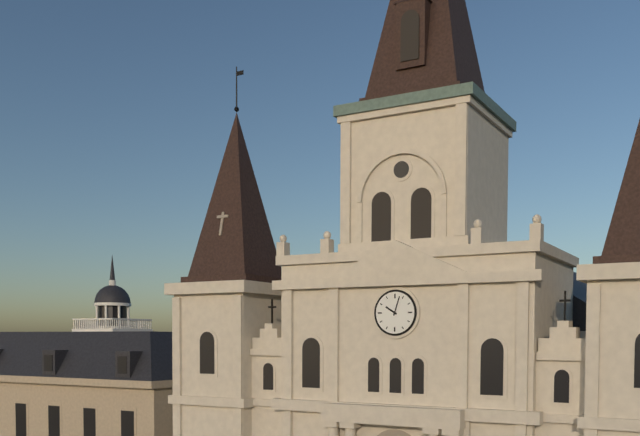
10.03
